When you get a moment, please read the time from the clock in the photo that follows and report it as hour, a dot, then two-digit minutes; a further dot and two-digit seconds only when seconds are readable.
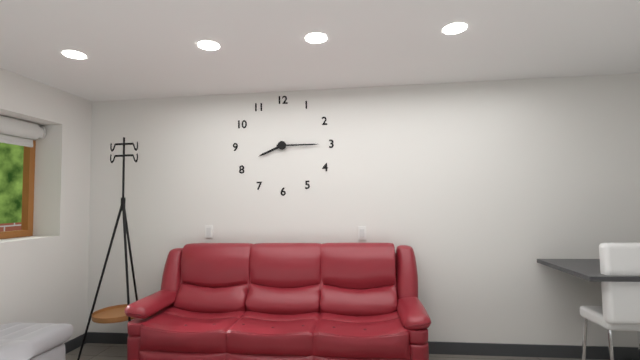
8.15
